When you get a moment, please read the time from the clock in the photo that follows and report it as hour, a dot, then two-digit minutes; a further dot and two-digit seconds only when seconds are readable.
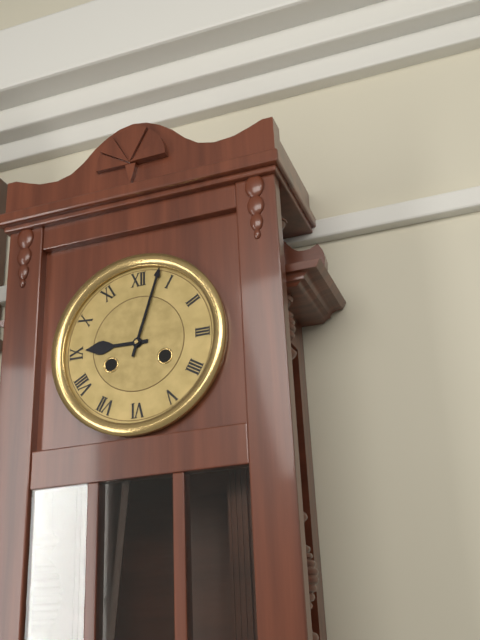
9.03
